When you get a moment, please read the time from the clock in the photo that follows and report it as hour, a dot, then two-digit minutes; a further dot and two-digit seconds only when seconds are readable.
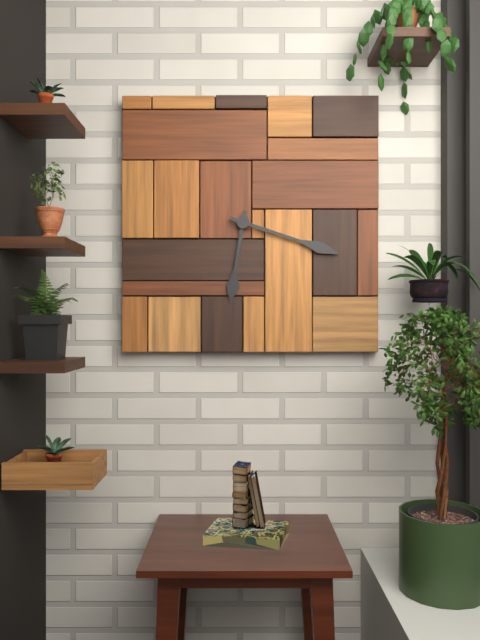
6.18
